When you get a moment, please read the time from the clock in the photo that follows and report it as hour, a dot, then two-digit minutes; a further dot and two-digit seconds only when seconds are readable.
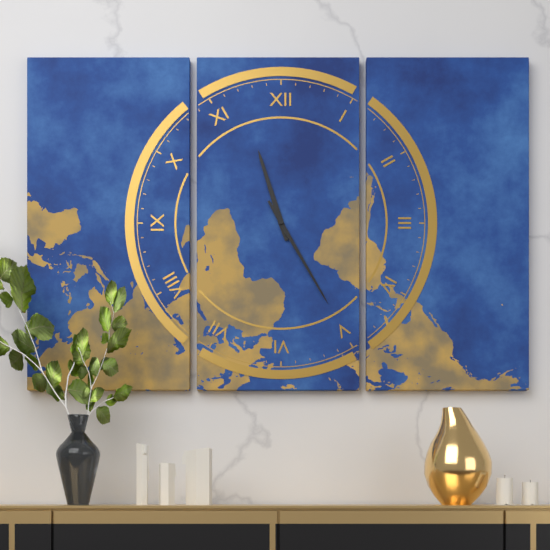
11.25
